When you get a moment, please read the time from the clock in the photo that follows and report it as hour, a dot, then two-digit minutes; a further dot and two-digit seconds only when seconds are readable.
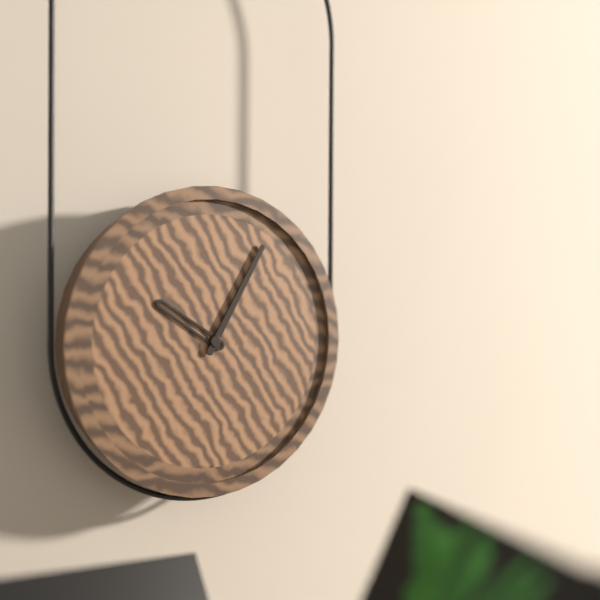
10.05
